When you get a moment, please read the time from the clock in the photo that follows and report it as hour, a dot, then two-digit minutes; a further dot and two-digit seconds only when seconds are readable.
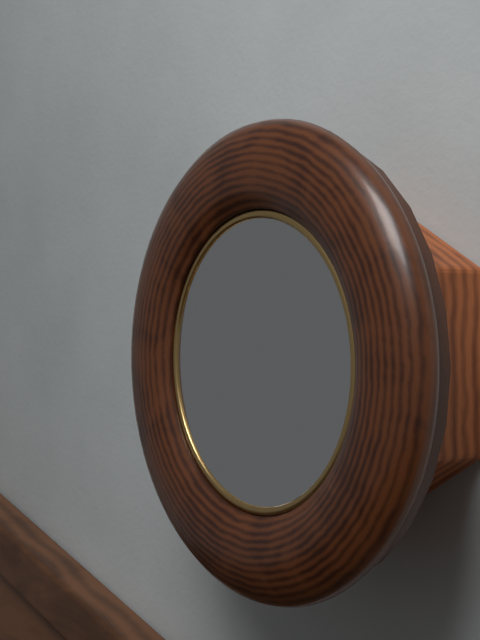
7.25
